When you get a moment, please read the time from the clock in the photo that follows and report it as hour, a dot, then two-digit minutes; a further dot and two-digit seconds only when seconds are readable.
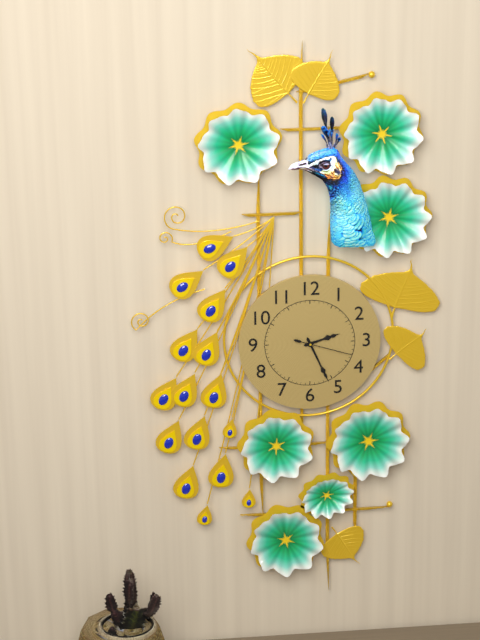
2.26.18
